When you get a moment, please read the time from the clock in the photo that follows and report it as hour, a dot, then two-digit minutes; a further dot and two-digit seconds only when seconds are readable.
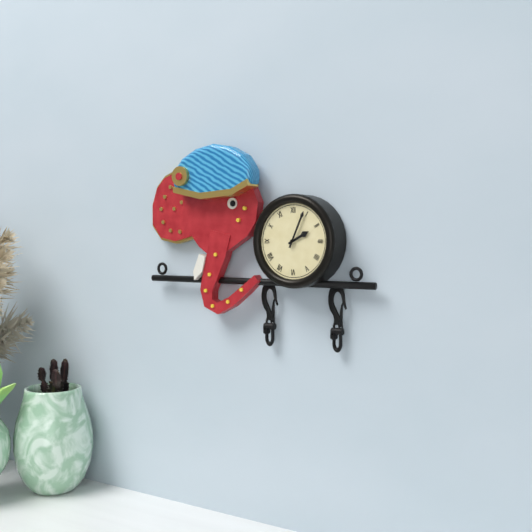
2.04
